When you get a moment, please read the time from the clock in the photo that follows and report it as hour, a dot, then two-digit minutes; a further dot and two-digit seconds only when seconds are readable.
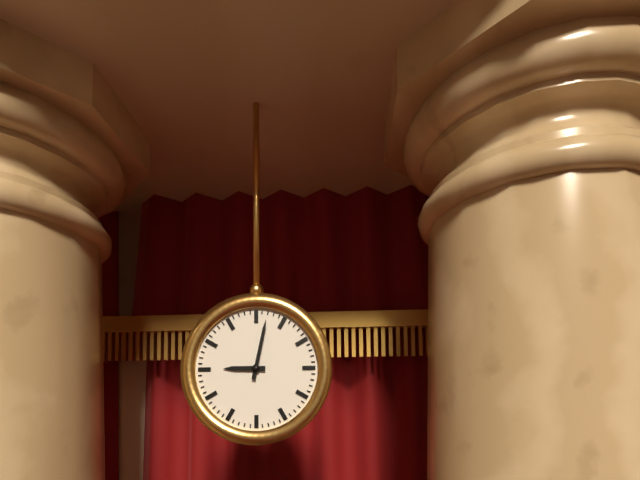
9.02
